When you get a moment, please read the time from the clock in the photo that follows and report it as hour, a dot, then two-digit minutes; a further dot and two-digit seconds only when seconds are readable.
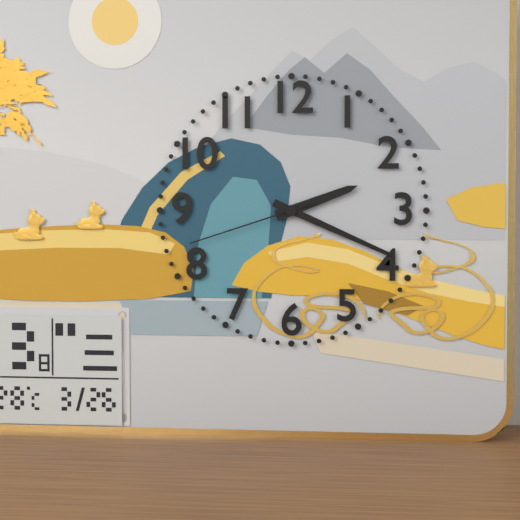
2.19.42
